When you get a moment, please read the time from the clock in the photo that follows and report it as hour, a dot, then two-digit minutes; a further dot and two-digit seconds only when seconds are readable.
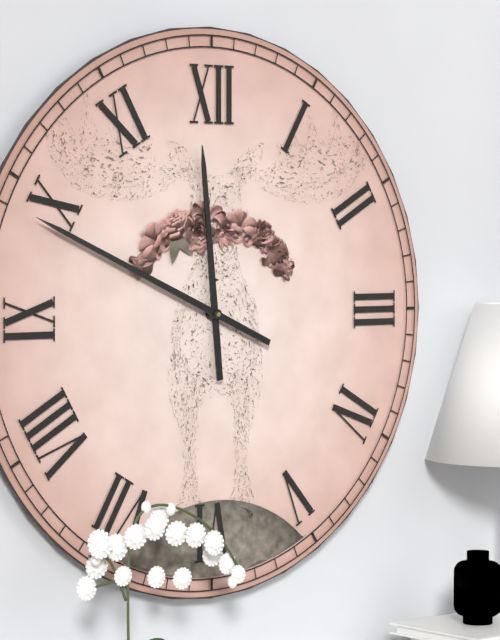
11.49
